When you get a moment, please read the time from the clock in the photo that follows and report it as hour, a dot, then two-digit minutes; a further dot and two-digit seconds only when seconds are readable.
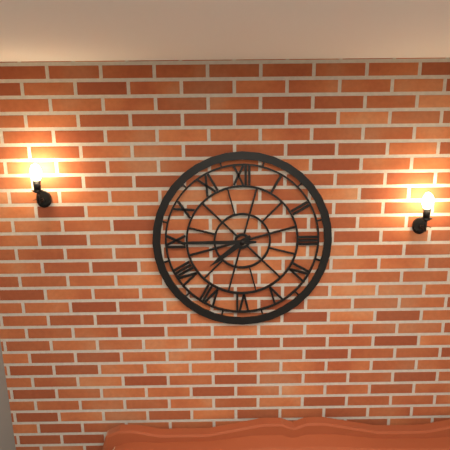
7.45
